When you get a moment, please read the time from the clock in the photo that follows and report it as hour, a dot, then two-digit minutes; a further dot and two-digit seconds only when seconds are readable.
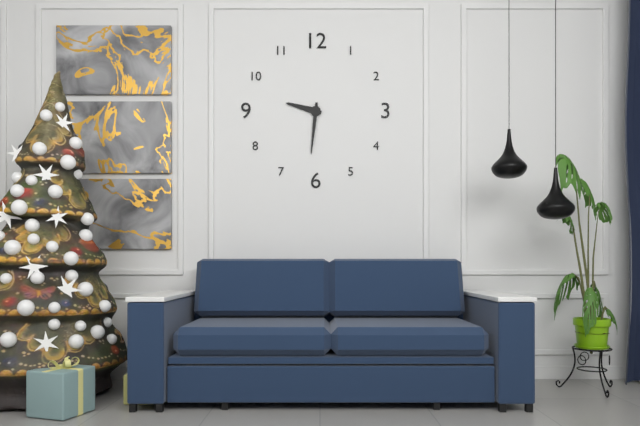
9.31
